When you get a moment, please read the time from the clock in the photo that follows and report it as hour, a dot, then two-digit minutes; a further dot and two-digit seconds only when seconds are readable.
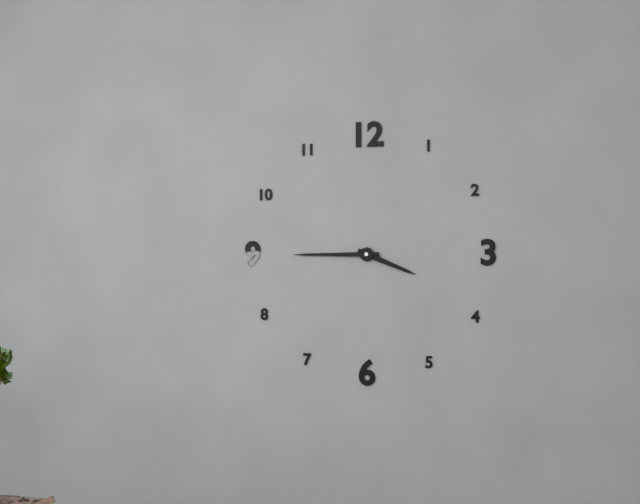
3.45
